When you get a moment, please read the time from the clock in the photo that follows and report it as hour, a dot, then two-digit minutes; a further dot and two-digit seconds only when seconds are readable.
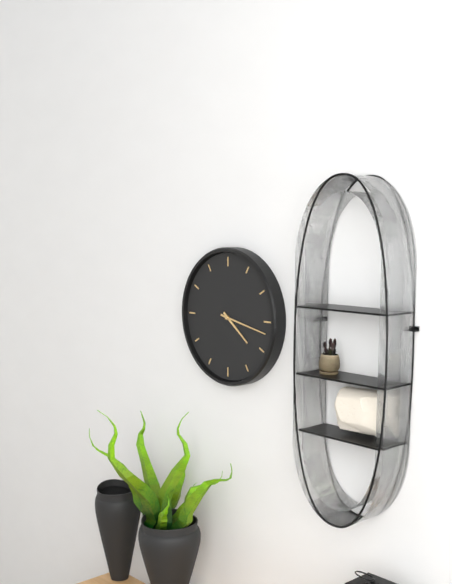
4.17
